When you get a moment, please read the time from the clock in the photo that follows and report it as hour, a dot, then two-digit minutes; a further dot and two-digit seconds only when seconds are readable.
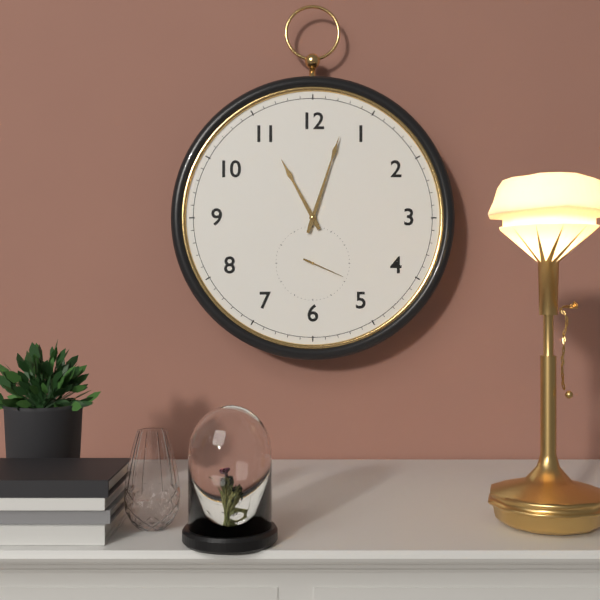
11.03
